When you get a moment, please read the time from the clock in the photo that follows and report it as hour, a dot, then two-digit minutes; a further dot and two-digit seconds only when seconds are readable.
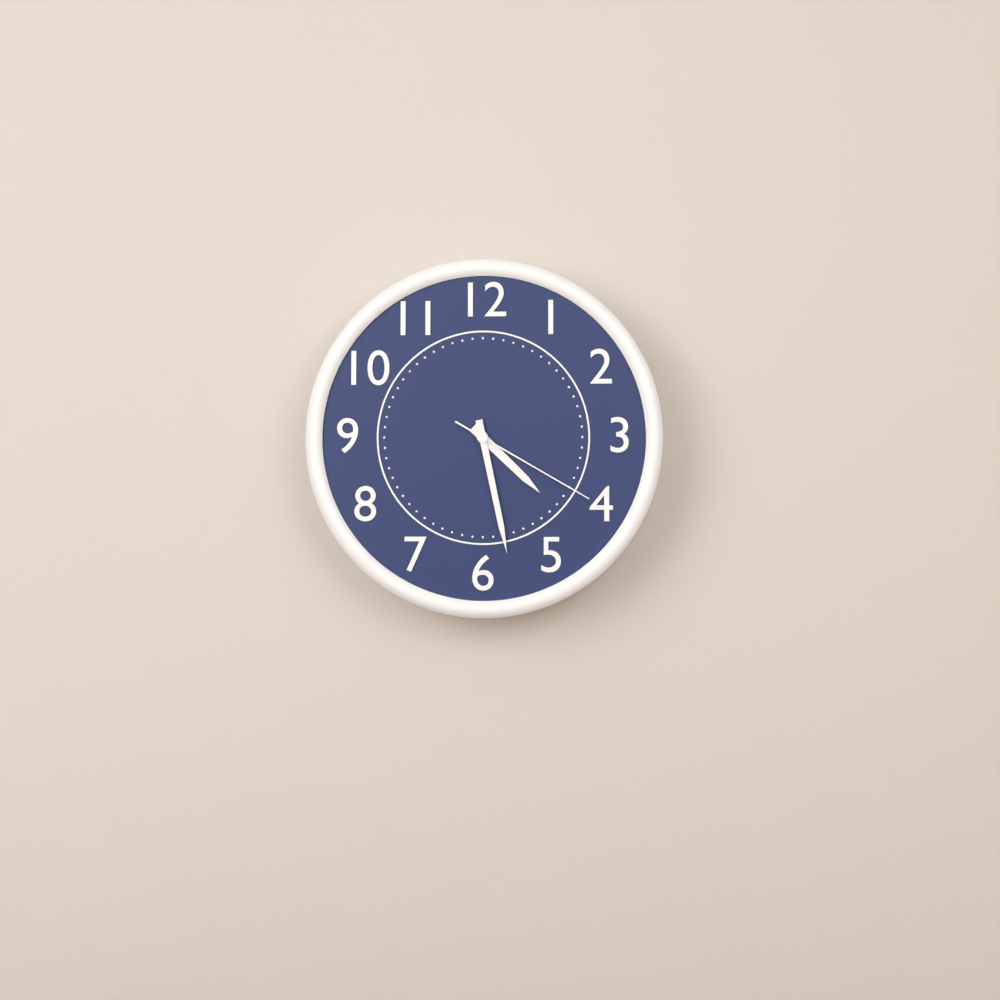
4.28.20
